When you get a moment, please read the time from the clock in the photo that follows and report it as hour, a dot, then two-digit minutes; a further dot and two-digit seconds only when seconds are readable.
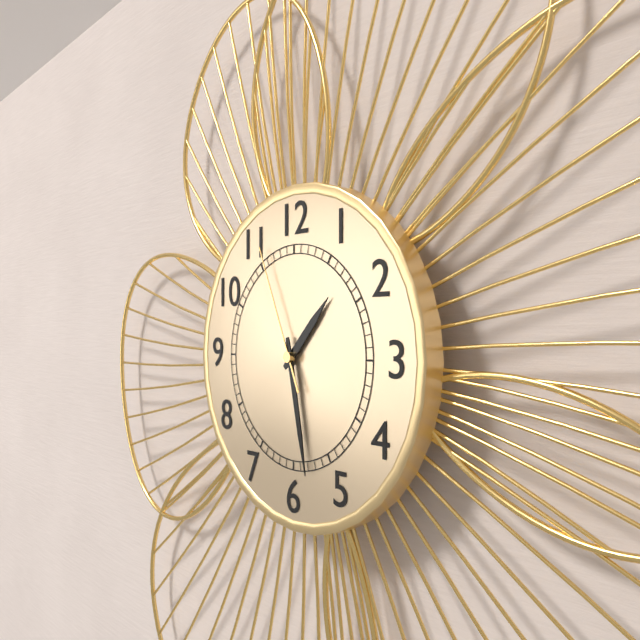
1.28.56
